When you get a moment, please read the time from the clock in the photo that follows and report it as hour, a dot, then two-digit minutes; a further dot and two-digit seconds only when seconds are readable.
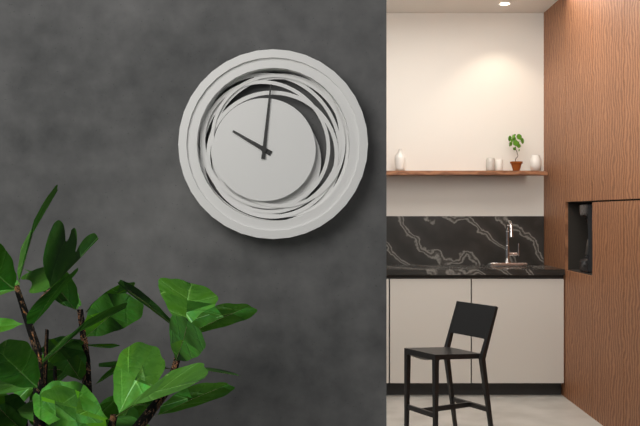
10.01
